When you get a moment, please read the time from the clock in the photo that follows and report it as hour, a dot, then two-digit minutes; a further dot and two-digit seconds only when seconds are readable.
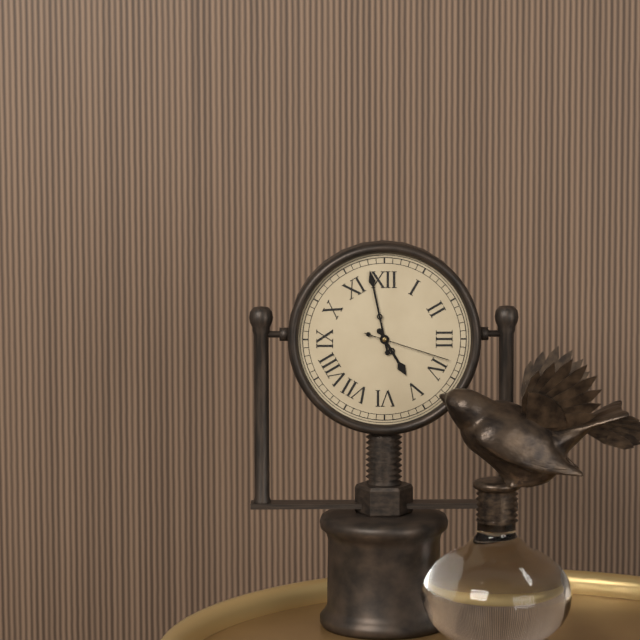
4.58.18
